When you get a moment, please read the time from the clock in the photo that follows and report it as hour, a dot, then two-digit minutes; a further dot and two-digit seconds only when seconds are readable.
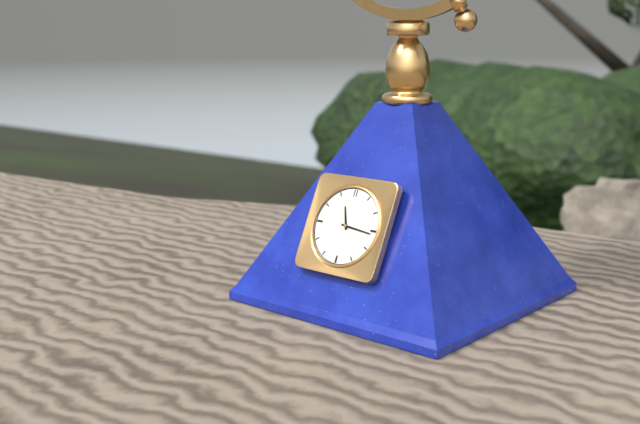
11.16
